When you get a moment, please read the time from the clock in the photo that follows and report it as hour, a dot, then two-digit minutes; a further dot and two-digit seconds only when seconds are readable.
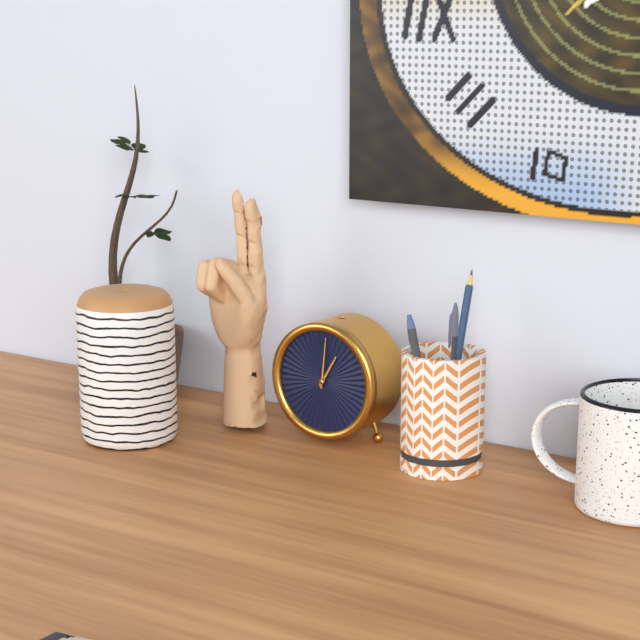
1.01
